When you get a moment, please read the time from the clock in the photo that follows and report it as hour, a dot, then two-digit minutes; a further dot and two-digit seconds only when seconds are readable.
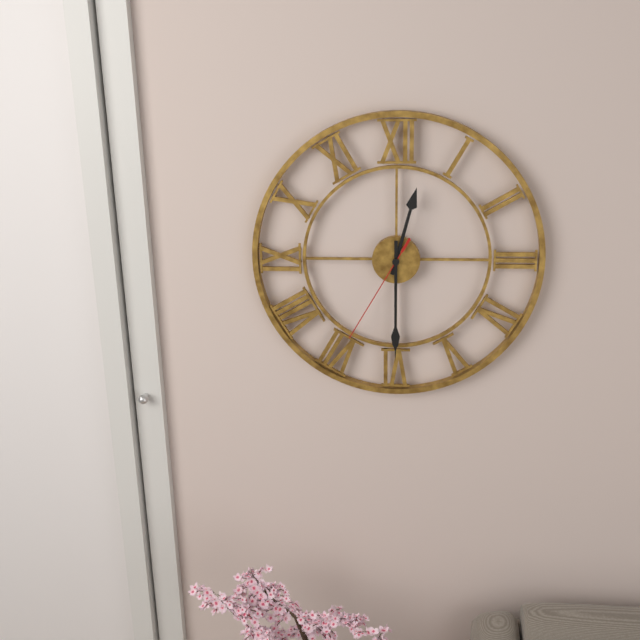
12.30.35
